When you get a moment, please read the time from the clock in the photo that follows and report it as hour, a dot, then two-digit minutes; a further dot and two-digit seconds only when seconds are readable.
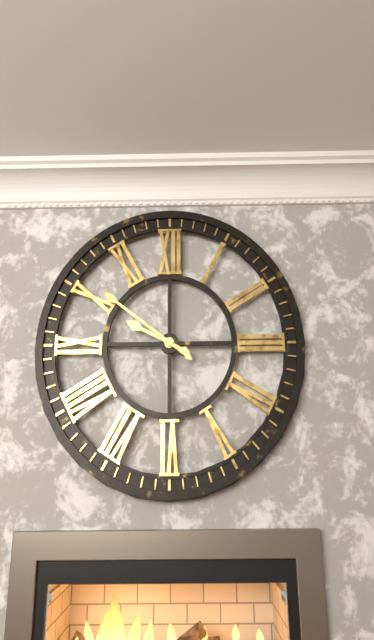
9.51
